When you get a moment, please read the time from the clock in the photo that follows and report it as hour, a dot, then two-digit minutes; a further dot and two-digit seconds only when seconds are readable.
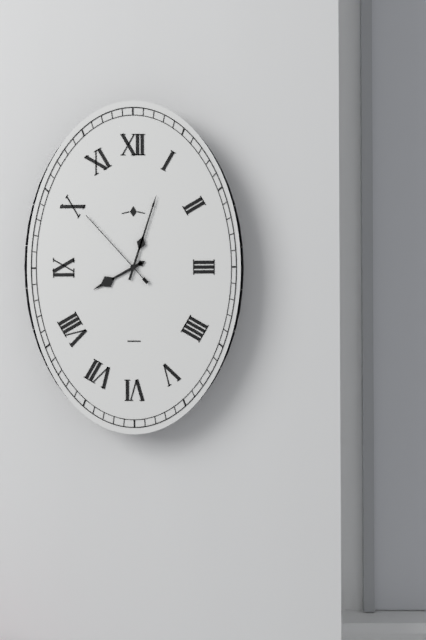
8.03.53
